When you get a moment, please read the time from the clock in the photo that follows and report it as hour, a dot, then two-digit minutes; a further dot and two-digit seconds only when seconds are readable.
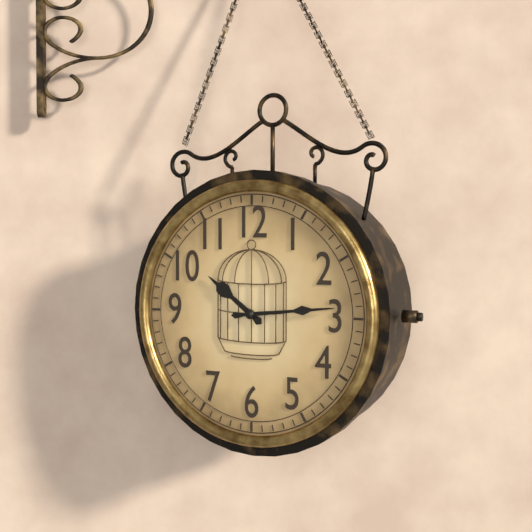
10.14
